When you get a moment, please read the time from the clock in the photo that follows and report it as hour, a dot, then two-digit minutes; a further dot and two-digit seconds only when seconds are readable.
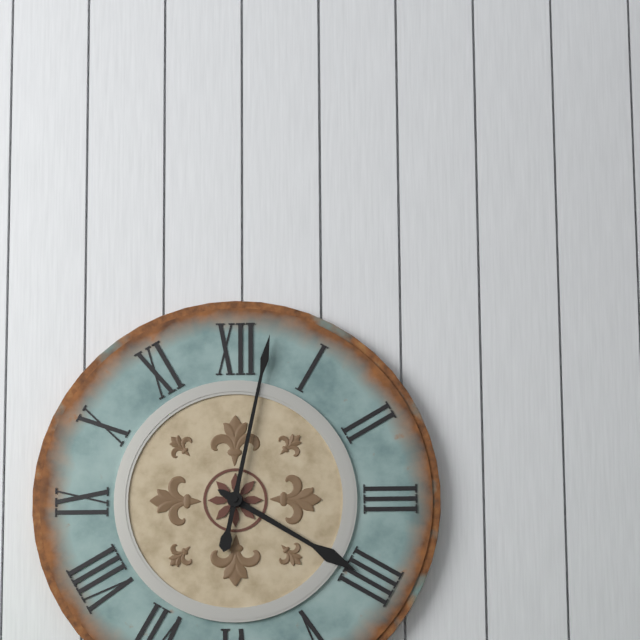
4.02
